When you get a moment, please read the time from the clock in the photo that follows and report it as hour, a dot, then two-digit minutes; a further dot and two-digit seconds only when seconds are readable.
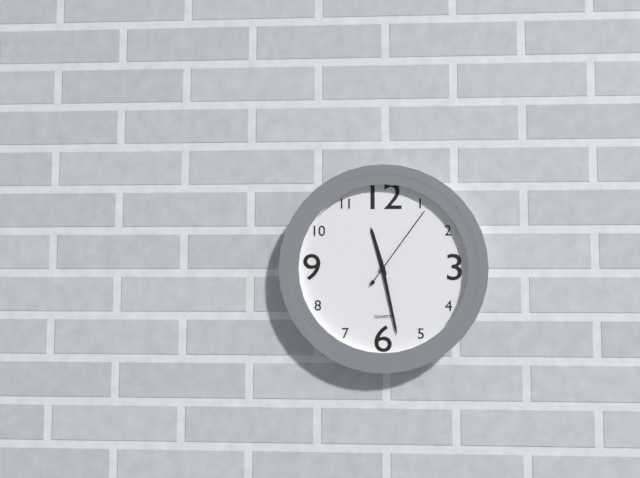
11.28.06
